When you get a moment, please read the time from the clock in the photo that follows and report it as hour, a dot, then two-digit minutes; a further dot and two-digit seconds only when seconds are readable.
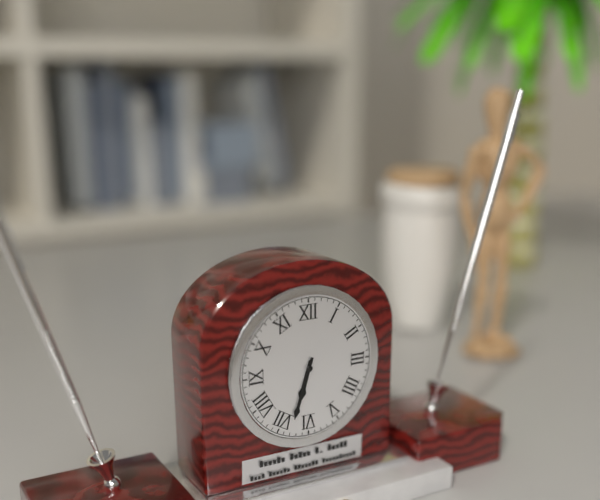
6.33
